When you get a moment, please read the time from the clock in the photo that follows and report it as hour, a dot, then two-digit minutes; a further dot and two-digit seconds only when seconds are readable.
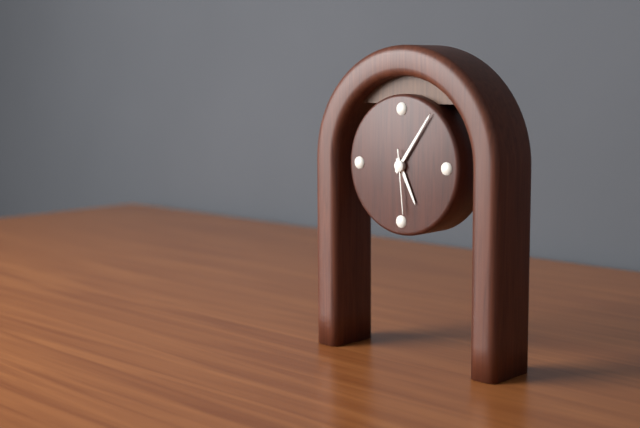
5.06.29
